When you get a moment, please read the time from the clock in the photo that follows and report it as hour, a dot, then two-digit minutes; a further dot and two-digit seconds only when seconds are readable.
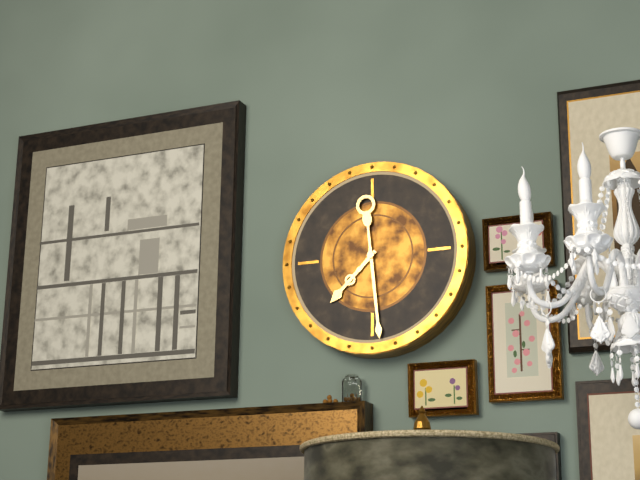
7.29
